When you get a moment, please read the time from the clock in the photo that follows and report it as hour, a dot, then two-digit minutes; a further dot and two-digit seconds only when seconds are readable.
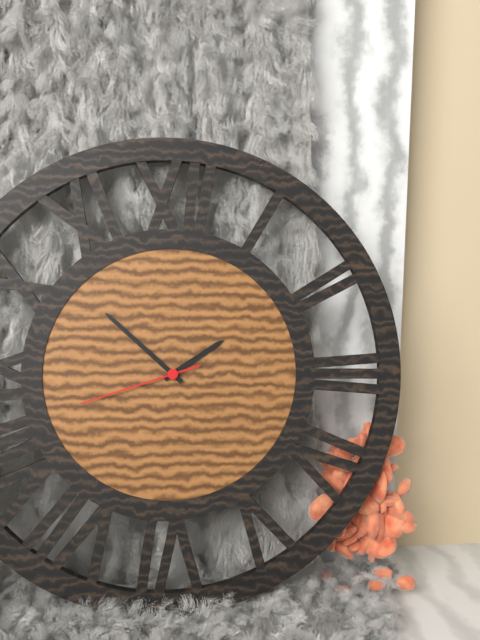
1.52.42
